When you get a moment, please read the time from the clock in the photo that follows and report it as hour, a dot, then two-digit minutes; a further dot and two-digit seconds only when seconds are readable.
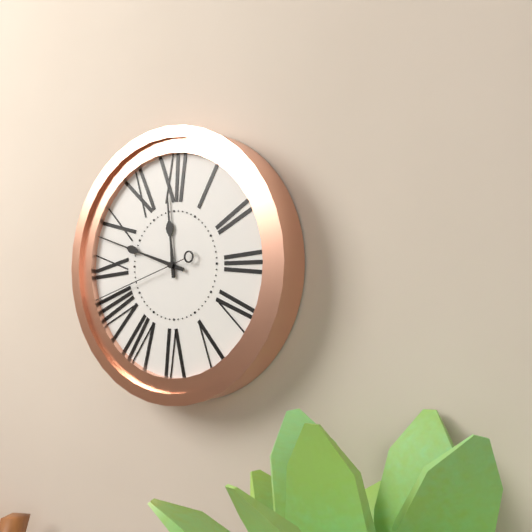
11.48.42
